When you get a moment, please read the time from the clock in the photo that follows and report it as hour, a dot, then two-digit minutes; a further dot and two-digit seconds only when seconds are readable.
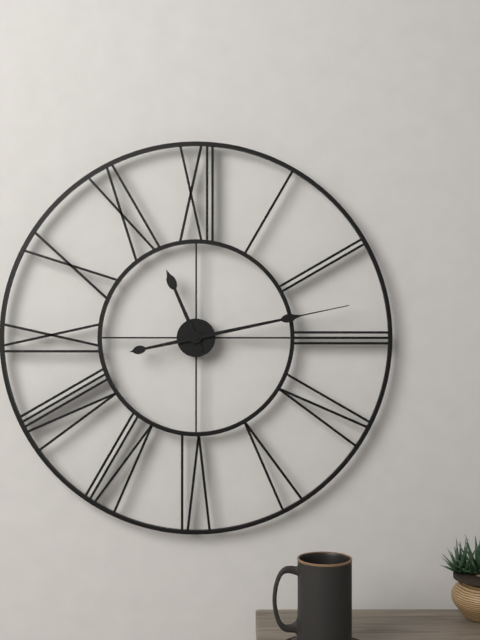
11.13
